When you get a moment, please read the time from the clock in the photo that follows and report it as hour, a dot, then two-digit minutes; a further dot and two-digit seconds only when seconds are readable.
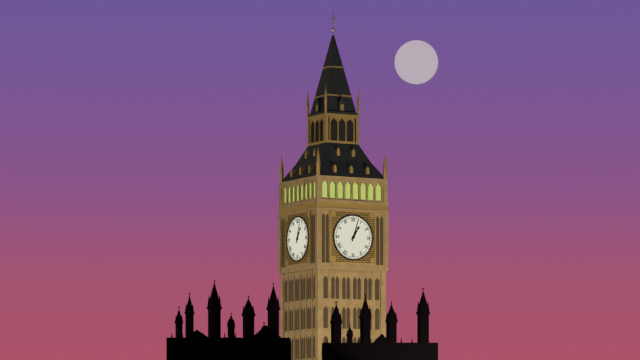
1.03
